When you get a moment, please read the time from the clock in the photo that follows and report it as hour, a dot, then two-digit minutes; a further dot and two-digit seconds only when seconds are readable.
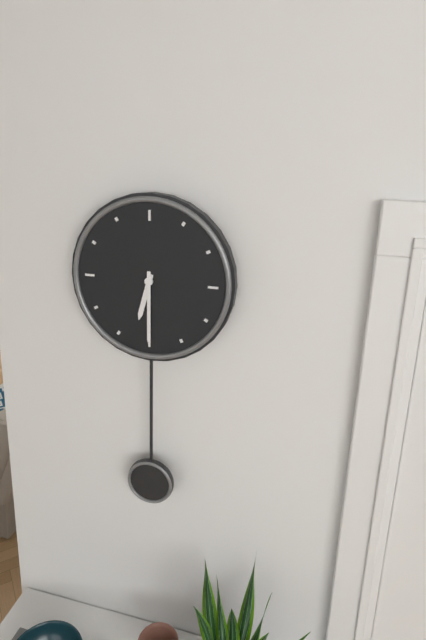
6.30
